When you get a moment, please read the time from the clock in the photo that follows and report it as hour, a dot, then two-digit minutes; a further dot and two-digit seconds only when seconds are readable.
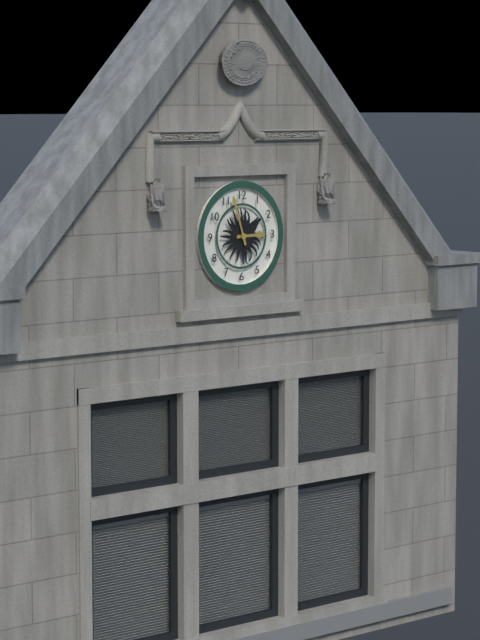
2.57
